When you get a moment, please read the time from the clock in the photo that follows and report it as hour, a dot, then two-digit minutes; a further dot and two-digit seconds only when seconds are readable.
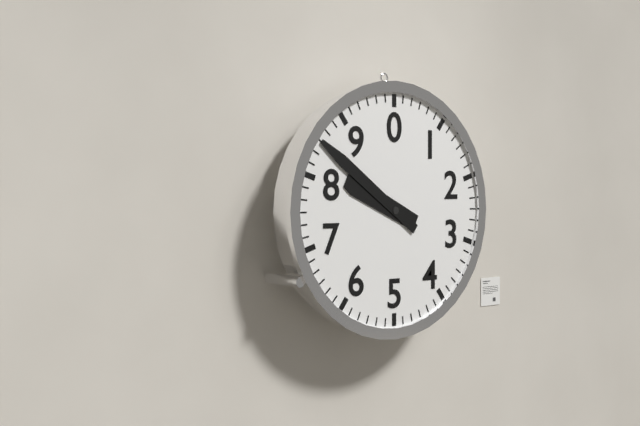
9.51
